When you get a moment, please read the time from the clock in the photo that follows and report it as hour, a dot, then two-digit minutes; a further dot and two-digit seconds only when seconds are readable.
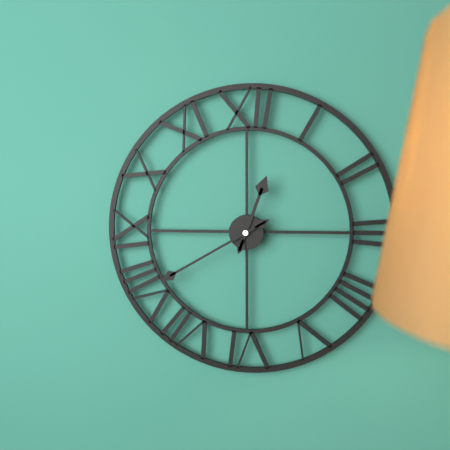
12.40
